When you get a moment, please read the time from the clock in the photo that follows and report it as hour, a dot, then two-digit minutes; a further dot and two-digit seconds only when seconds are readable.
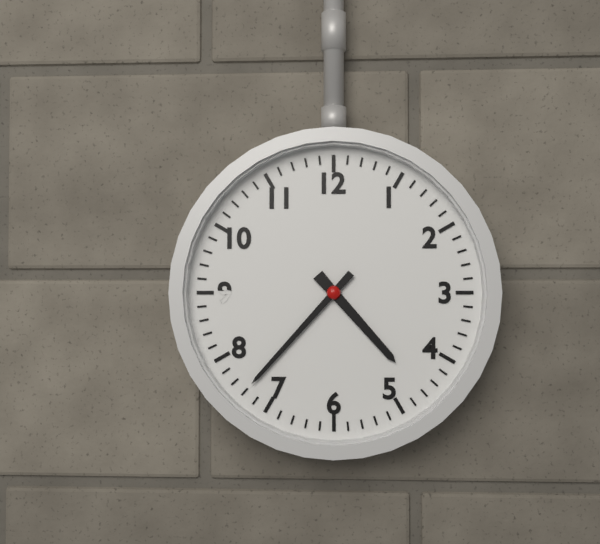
4.37
